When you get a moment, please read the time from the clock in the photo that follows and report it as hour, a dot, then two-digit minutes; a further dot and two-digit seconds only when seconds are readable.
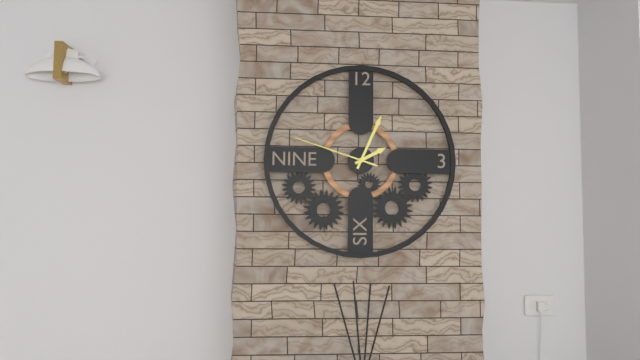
2.04.48
